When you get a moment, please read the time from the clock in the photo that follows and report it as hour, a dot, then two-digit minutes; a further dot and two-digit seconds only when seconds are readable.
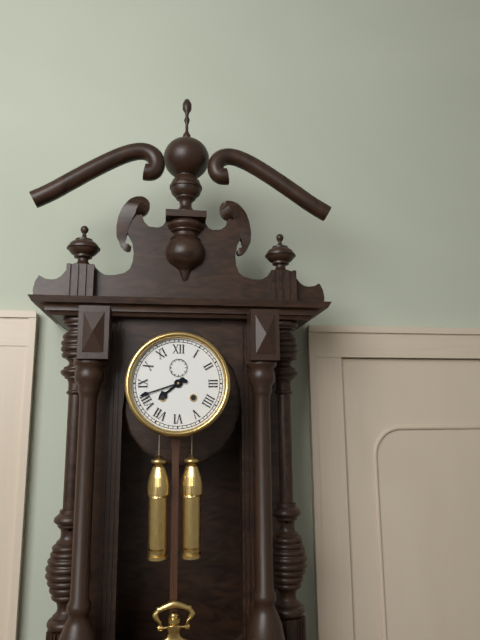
7.42
